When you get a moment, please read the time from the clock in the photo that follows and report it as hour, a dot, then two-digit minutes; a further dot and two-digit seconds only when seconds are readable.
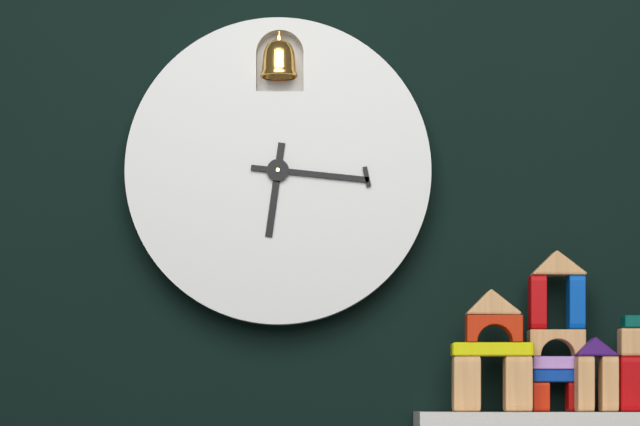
6.16
